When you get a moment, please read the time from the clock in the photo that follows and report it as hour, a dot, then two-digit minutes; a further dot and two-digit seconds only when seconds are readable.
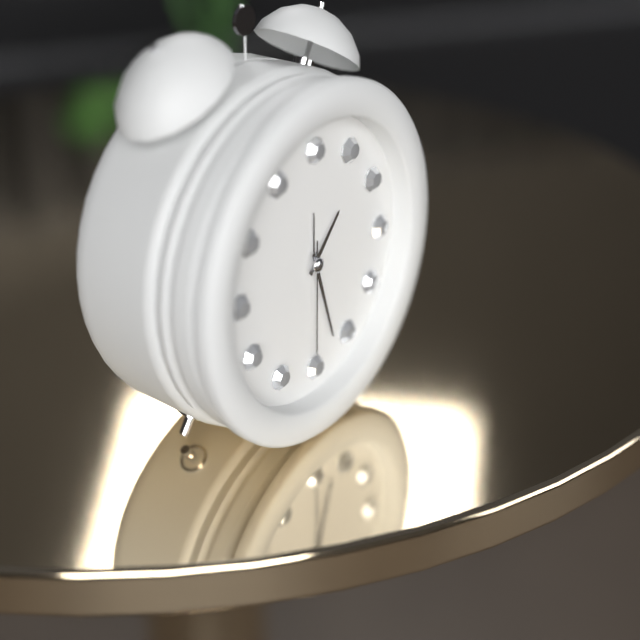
1.27.30
